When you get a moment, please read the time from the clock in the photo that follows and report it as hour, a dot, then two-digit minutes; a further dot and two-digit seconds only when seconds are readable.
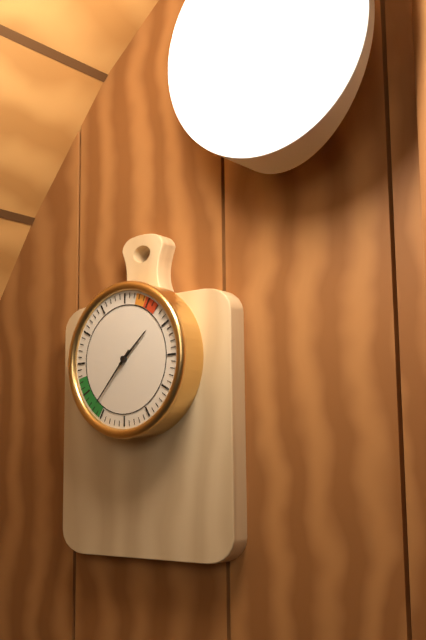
1.37
